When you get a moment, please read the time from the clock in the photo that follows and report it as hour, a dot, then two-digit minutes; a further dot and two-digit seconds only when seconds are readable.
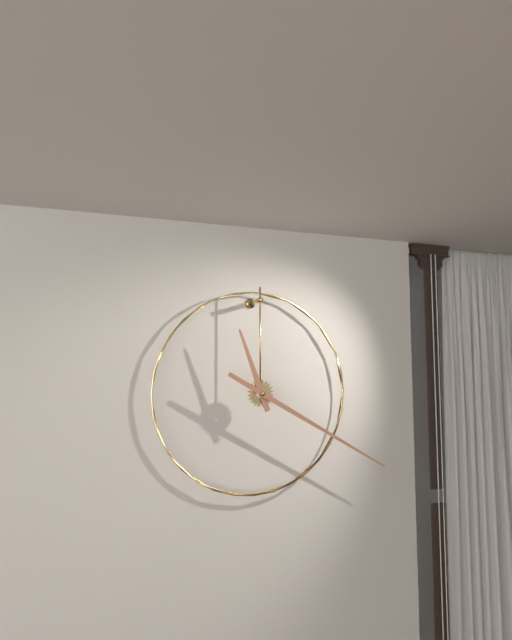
11.20
